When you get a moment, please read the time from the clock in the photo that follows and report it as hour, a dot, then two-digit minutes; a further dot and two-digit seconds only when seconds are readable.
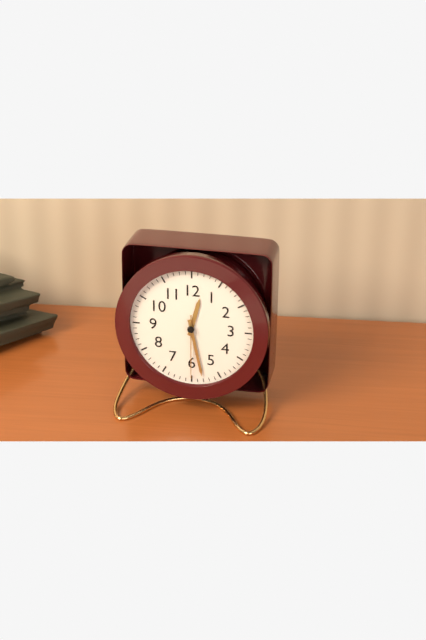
12.28.30
